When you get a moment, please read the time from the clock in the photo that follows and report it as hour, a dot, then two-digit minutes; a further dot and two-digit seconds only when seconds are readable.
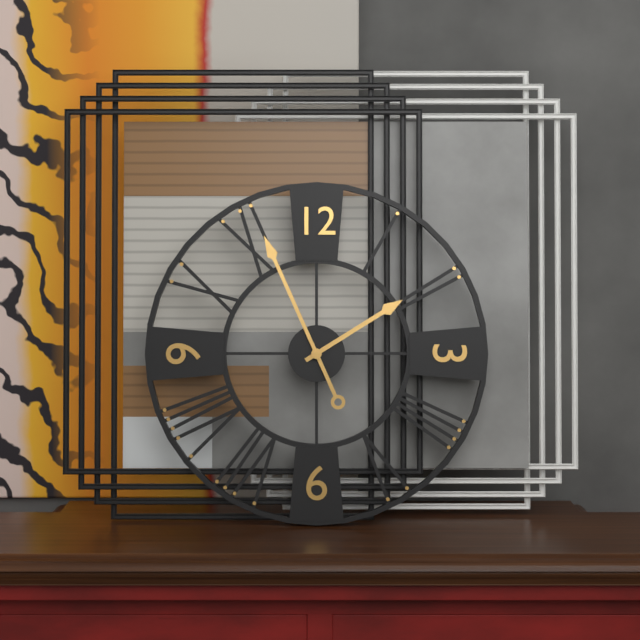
1.56
